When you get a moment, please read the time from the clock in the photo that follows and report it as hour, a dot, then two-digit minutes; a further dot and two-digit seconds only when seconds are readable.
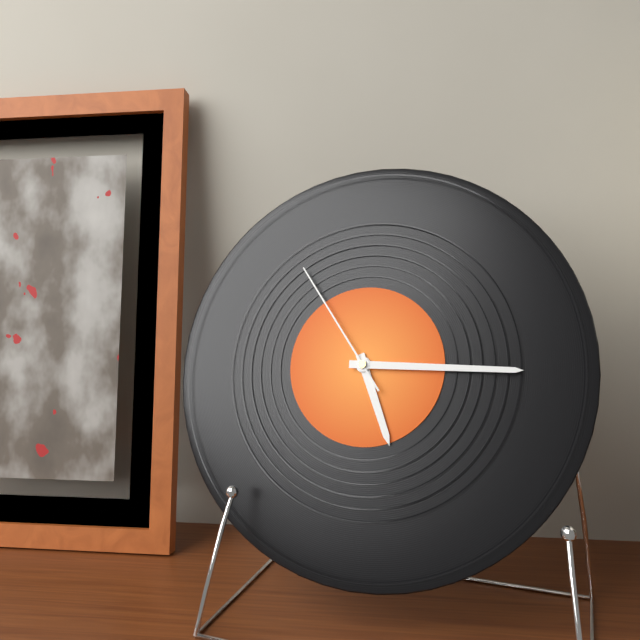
5.15.54
